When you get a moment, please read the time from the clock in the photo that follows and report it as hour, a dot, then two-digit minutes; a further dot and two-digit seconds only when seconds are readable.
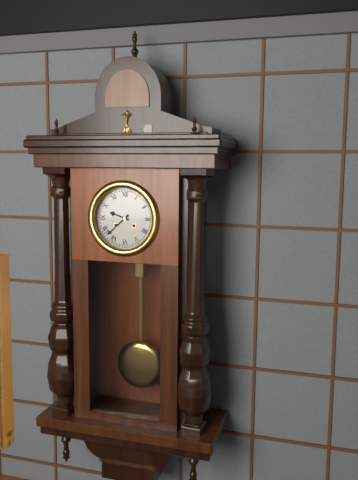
9.38
